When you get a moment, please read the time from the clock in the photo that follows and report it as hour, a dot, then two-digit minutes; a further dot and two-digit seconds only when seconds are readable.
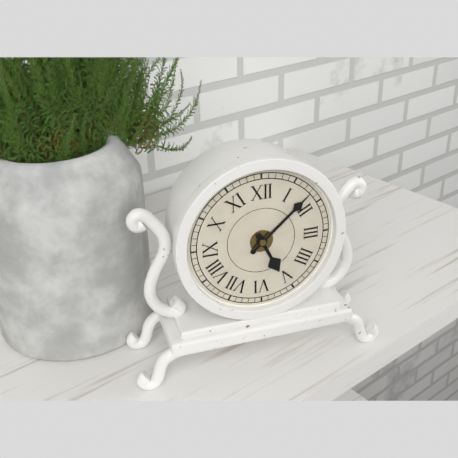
5.08
